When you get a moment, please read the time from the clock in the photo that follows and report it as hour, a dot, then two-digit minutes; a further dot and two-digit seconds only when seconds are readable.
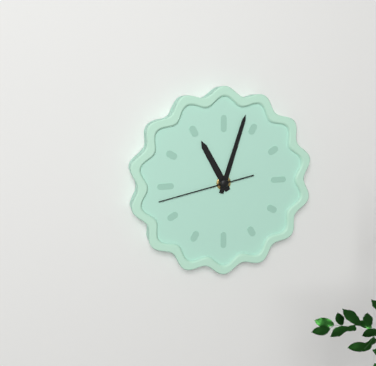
11.03.43
